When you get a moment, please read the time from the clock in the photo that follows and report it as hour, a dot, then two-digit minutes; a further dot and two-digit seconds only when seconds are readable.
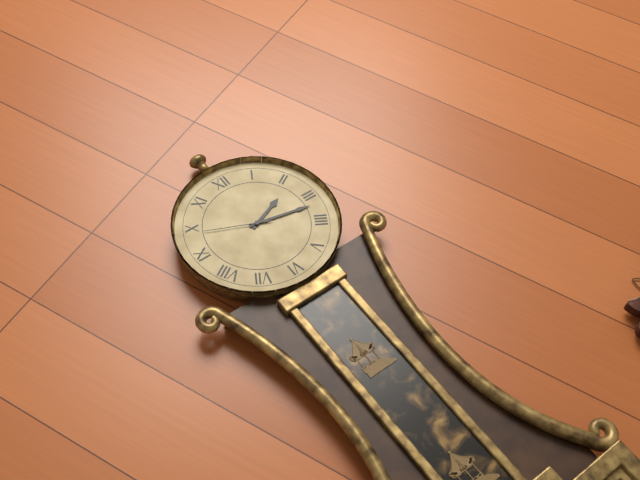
2.17.49
